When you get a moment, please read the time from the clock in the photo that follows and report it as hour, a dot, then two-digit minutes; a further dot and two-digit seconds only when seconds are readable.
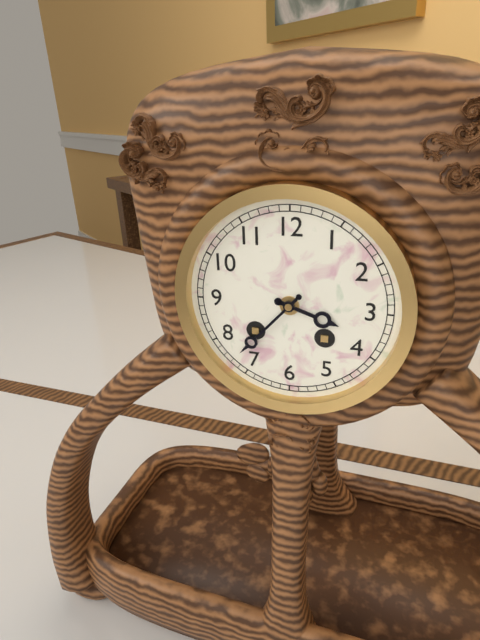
3.37
